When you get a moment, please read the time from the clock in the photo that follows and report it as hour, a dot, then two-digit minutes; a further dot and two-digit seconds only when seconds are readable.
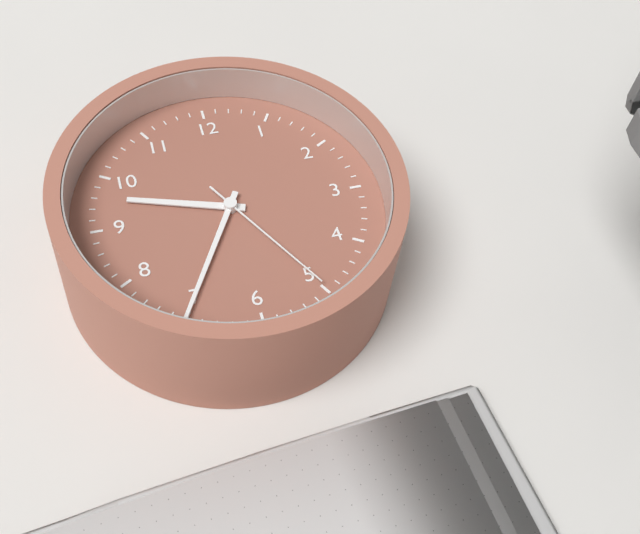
9.35.25
